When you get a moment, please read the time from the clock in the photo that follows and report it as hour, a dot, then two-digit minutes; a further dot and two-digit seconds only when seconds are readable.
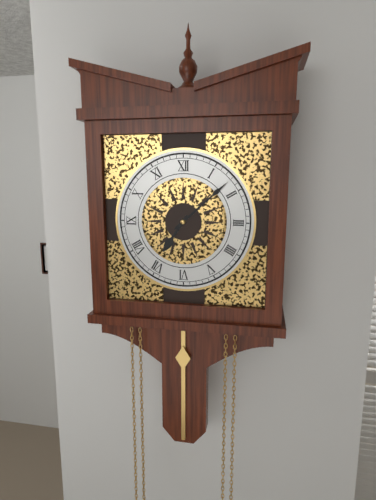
7.08
